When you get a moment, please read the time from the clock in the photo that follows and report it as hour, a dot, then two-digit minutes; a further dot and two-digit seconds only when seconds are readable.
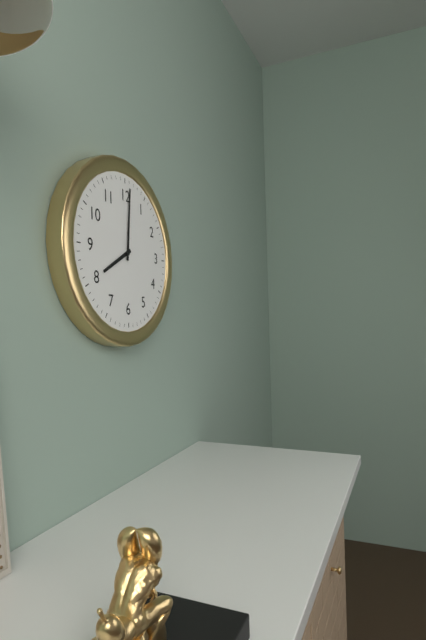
8.01
